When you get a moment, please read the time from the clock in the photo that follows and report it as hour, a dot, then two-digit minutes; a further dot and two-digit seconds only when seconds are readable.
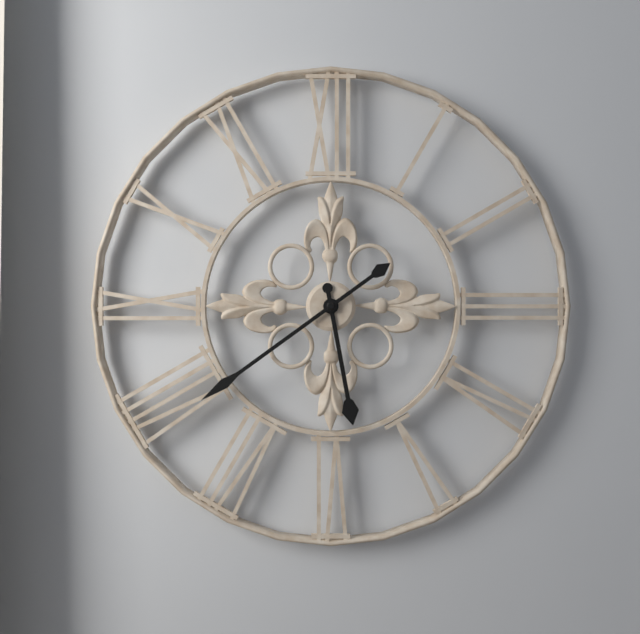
5.39
